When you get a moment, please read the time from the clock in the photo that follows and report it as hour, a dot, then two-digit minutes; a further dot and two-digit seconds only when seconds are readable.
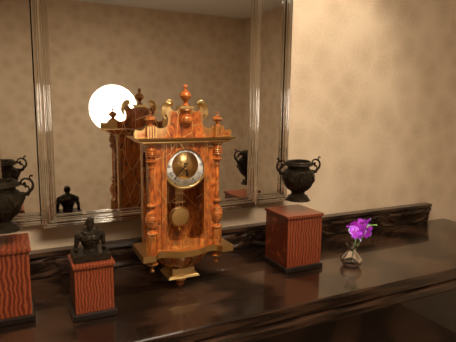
5.37
